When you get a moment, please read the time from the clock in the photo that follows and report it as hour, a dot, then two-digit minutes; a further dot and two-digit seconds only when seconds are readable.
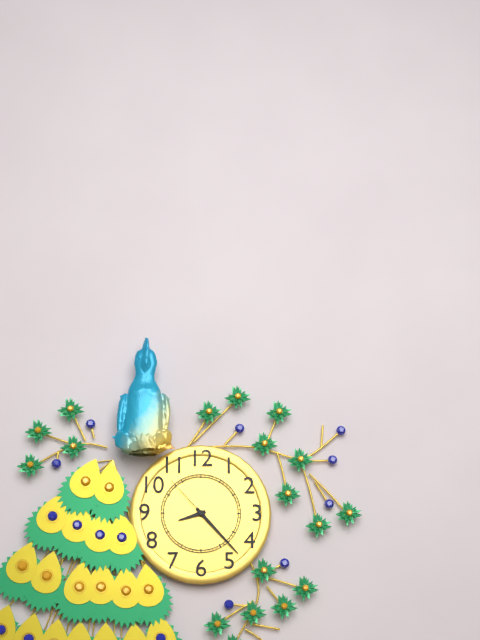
8.23.53
